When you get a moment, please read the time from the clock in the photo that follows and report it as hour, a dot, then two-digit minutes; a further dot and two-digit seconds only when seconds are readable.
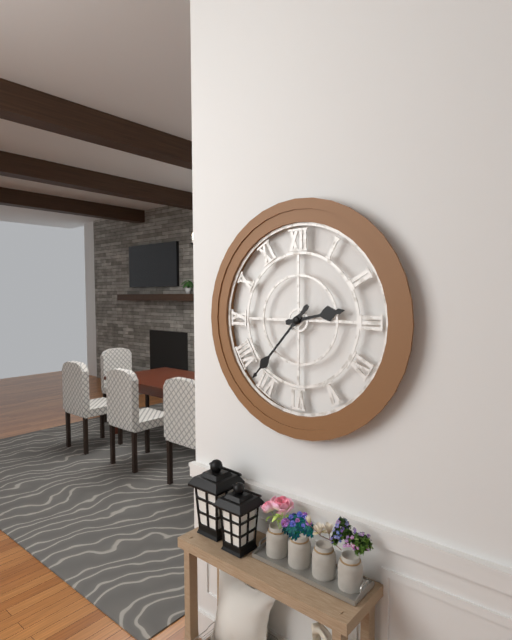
2.37
